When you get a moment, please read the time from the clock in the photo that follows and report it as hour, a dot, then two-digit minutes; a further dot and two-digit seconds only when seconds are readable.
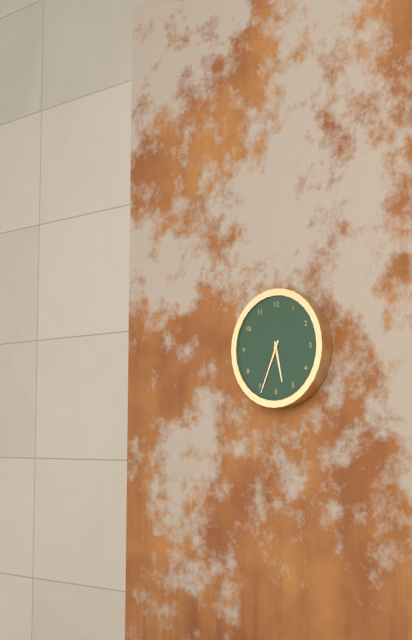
5.34
